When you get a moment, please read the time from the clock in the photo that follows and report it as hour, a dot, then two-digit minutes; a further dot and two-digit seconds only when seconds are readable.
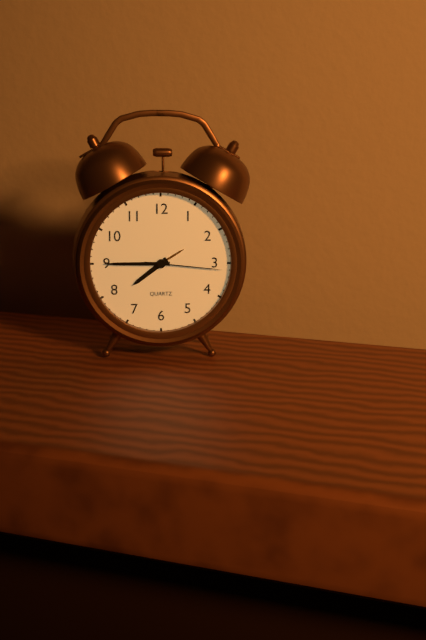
7.45.16
